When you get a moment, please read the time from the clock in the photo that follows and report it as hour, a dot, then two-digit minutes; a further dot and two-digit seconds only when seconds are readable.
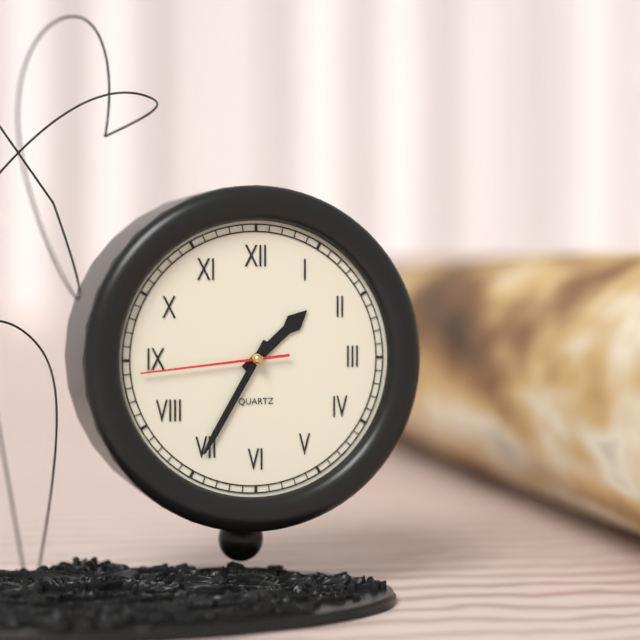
1.35.44
